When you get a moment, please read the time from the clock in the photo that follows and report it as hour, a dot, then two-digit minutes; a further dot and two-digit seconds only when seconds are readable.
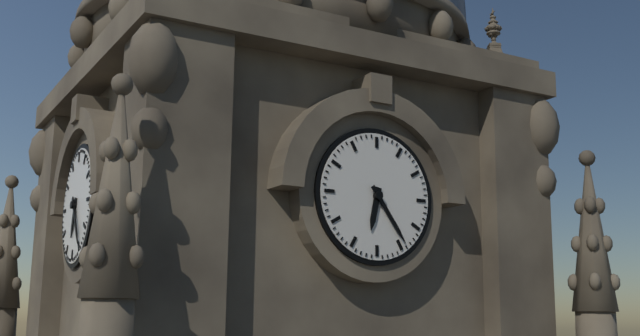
6.24
